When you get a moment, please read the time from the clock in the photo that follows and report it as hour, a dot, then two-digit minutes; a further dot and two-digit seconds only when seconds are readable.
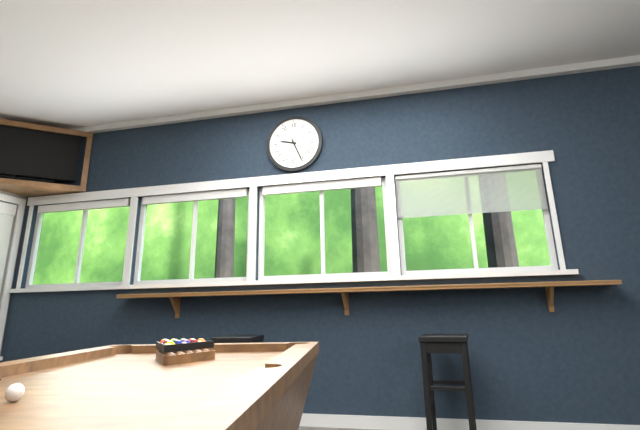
9.26
